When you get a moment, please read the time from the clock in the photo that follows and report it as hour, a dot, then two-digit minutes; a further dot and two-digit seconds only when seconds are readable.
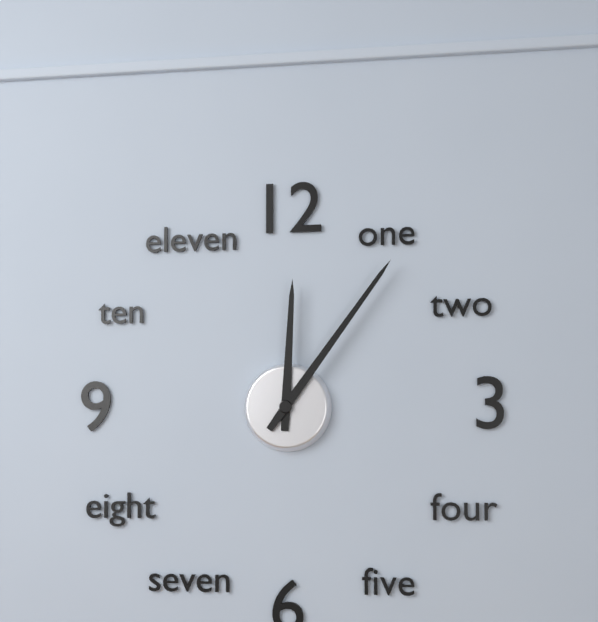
12.06
